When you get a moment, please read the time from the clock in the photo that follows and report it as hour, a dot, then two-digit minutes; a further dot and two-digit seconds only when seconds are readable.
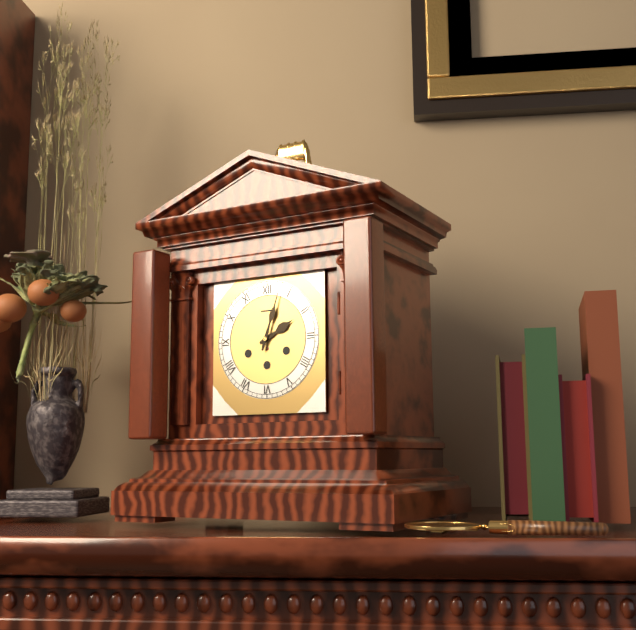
2.03
